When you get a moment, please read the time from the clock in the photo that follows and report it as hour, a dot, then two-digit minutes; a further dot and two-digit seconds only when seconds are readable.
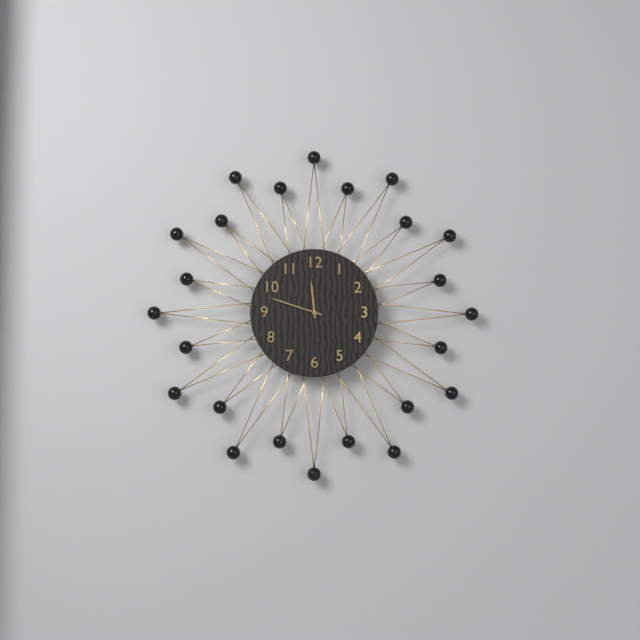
11.48
